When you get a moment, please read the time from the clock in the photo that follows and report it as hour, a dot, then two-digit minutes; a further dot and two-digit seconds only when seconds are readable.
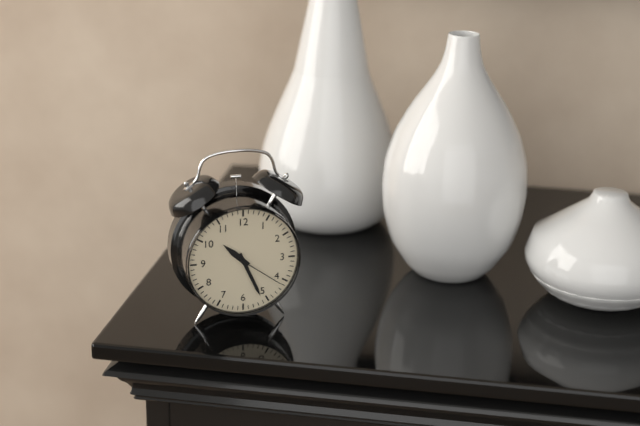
10.26.21
